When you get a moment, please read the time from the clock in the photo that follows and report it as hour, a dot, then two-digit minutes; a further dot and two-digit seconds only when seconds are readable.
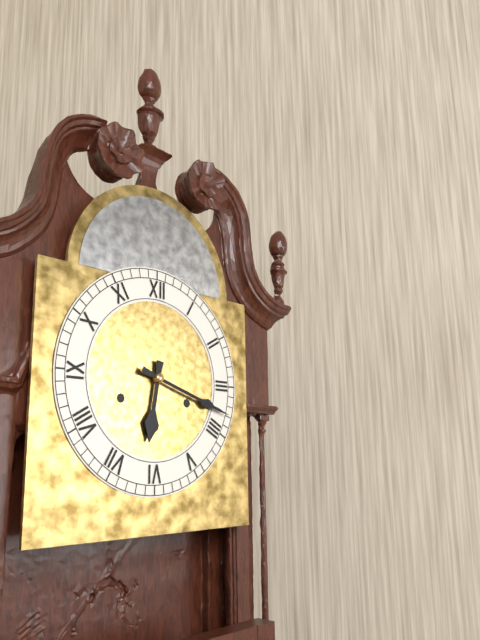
6.18
